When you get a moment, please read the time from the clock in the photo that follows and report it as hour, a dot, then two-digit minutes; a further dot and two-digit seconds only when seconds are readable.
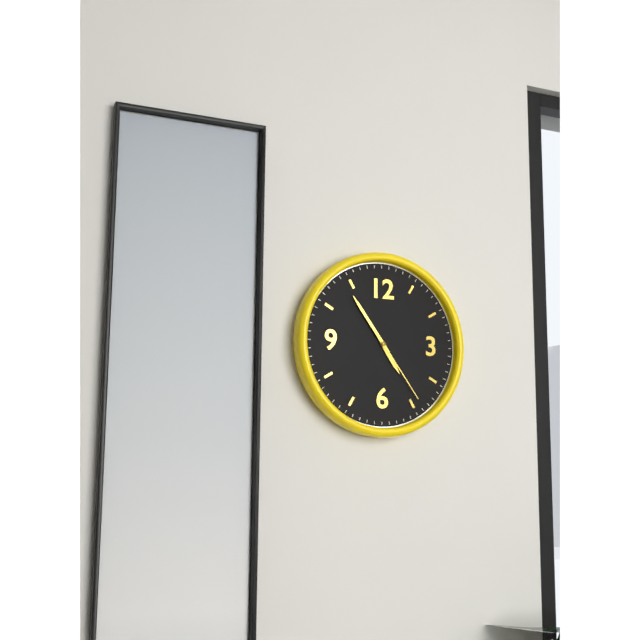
4.54.24
